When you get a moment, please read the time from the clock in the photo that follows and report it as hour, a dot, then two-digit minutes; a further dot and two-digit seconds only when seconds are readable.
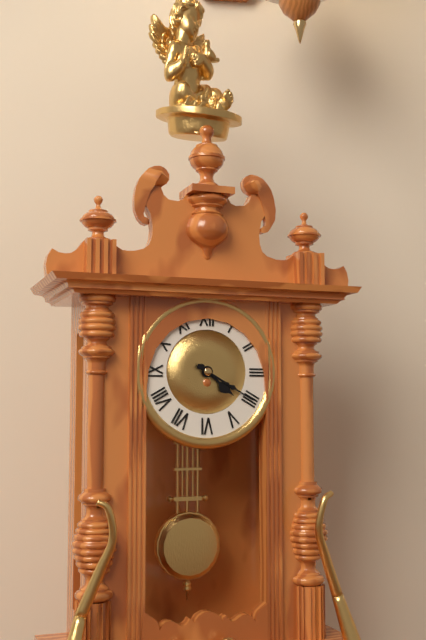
4.20
